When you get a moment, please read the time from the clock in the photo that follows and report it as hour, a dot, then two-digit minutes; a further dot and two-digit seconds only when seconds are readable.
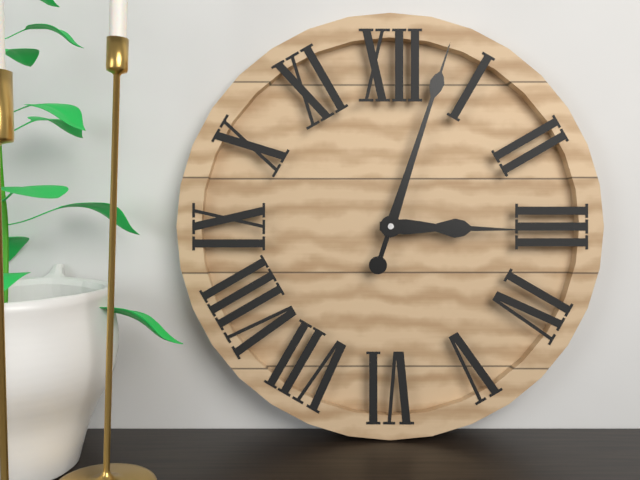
3.03
